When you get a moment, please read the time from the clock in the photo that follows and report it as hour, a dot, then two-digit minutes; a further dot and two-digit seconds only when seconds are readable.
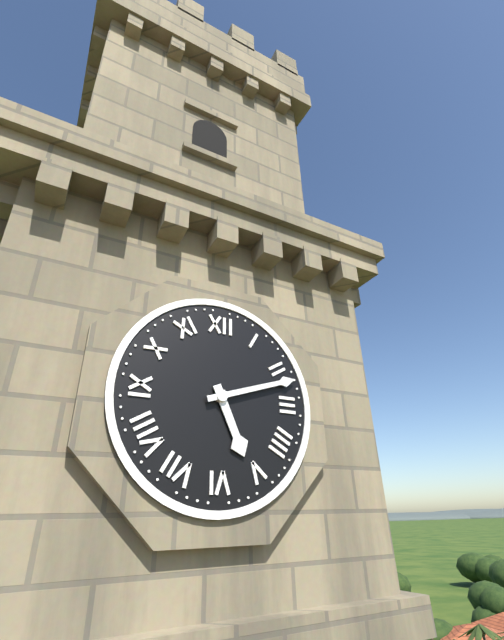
5.12
